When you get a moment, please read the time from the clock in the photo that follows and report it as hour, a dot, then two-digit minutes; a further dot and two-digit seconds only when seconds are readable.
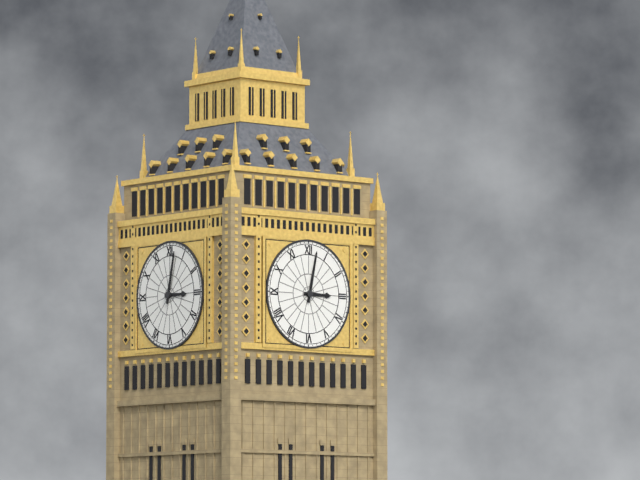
3.02
